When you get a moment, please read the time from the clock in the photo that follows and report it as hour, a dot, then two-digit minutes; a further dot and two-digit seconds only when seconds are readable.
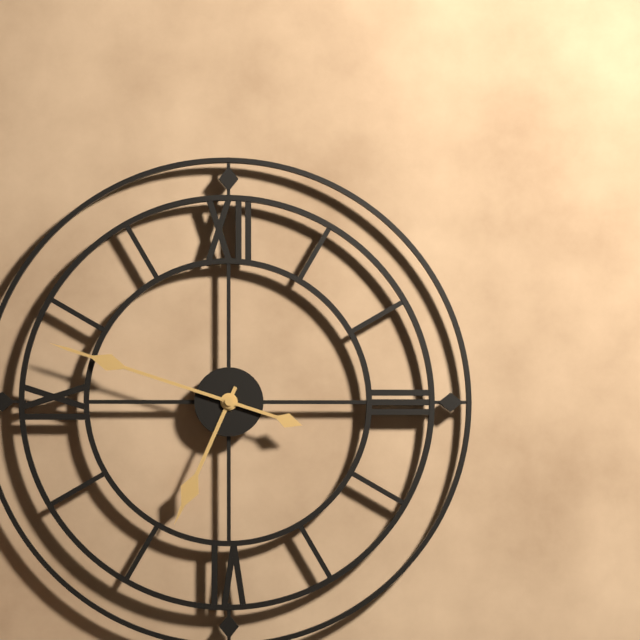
6.48
